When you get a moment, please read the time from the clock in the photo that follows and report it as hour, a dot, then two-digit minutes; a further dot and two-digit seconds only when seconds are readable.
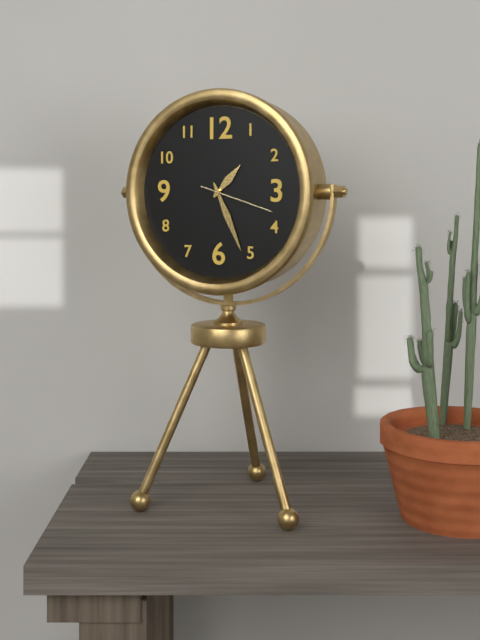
1.26.18
